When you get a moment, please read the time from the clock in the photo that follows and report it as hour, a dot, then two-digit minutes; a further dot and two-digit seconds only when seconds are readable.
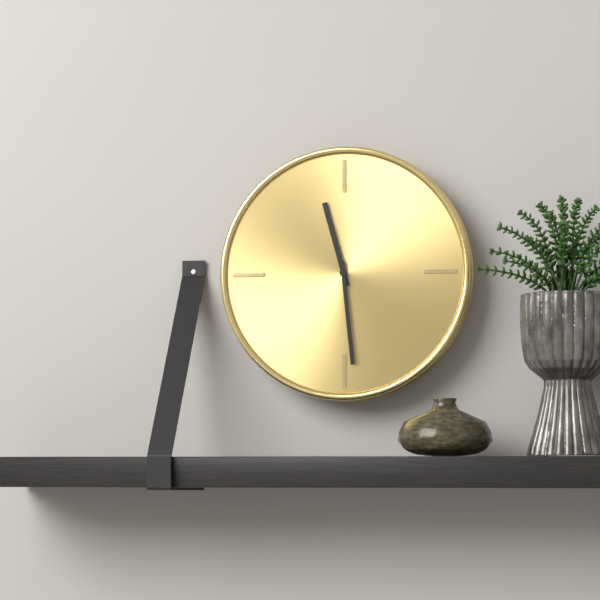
11.29
